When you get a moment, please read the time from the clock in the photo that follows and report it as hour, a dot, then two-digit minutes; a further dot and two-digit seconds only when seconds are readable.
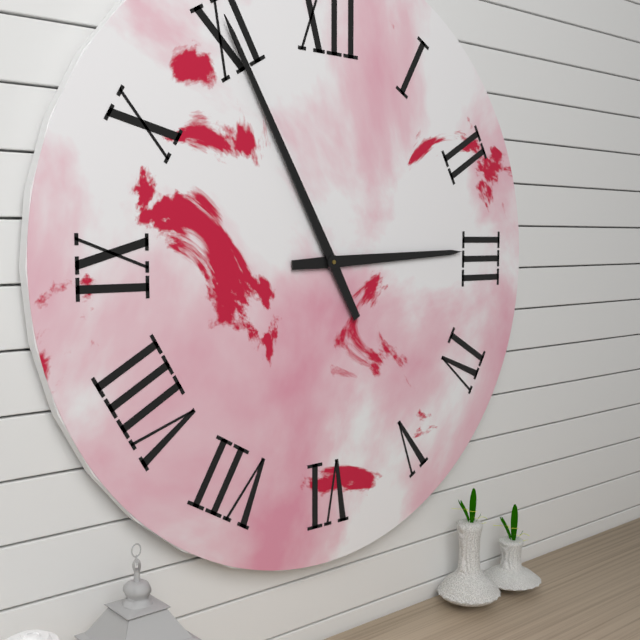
2.55
